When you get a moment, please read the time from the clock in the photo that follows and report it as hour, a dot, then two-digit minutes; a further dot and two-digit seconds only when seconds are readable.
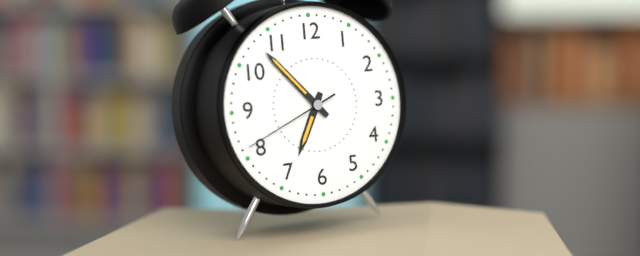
6.53.41
